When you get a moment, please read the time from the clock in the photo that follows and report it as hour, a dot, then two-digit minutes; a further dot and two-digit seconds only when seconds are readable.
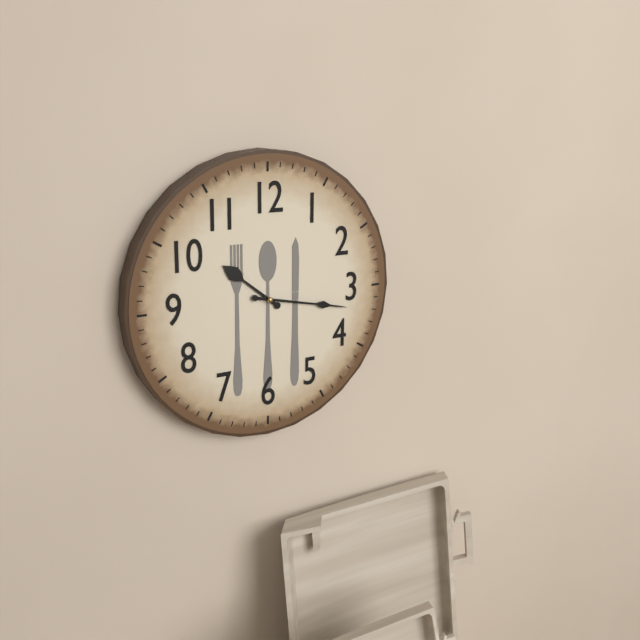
10.17
